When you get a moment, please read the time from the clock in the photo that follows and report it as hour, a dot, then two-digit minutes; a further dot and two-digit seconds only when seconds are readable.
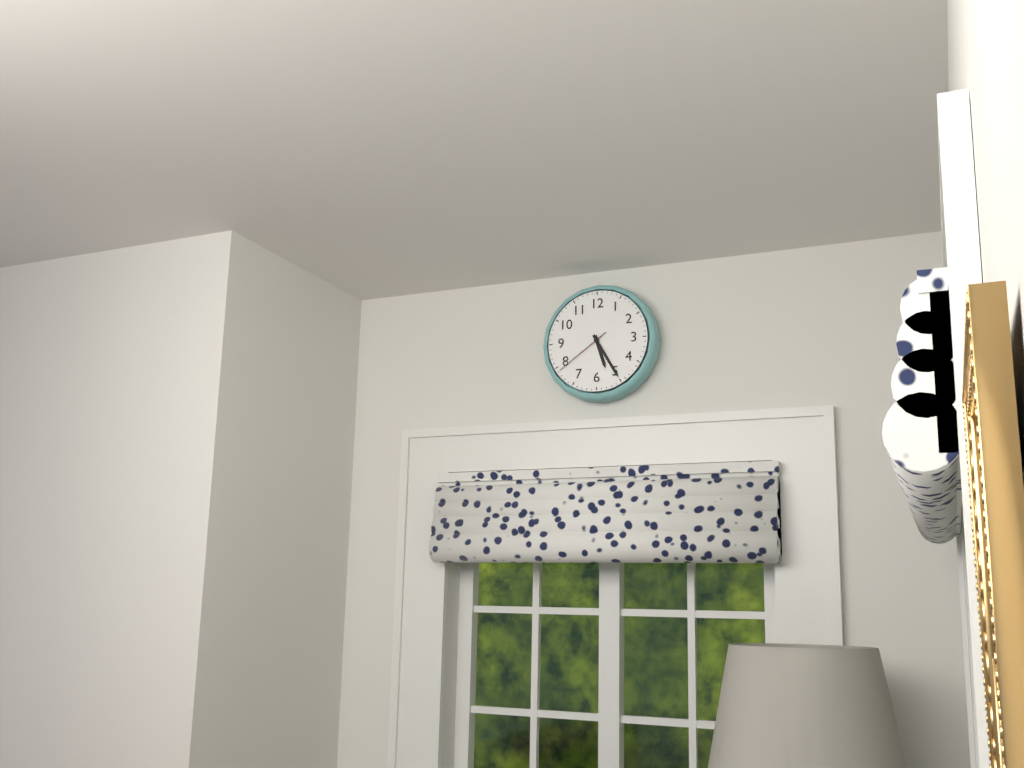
5.25.39
